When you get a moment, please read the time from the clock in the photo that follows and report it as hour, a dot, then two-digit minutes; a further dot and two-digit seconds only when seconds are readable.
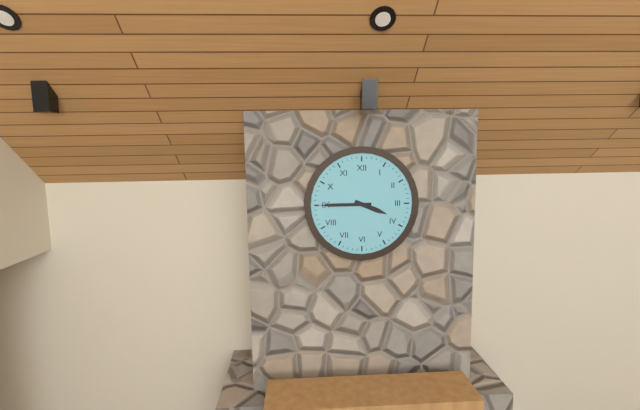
3.45
